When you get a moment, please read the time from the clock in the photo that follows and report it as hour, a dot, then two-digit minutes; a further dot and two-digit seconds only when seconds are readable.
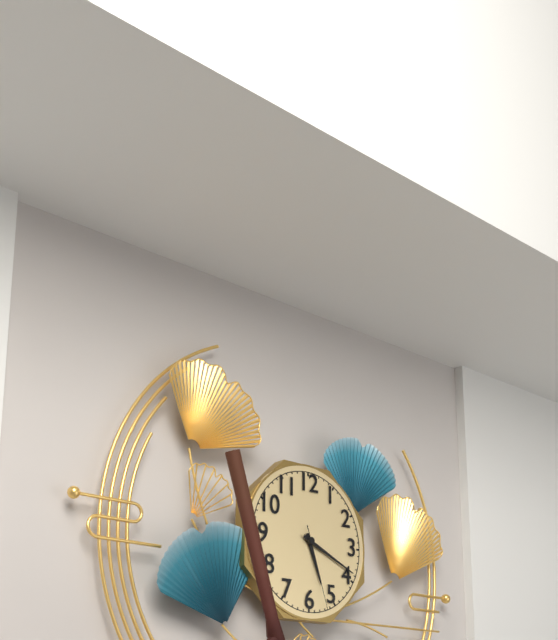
5.19.27
